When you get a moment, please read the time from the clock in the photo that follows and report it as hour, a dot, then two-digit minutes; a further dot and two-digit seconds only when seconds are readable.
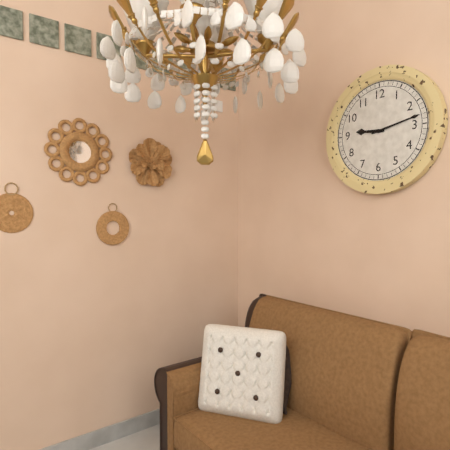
9.13
